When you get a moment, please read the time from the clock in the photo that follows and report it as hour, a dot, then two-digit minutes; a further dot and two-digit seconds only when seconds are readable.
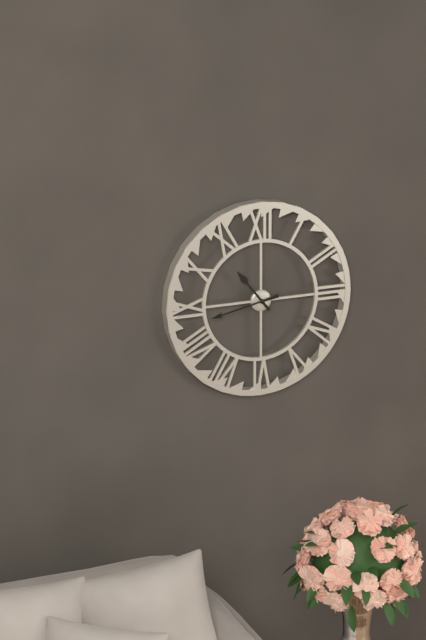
10.43
